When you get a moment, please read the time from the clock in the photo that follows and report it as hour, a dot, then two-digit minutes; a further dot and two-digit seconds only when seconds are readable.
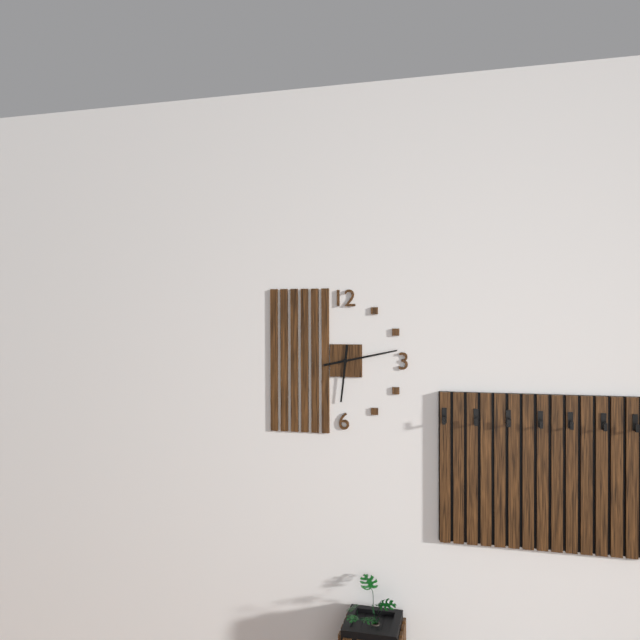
6.13
